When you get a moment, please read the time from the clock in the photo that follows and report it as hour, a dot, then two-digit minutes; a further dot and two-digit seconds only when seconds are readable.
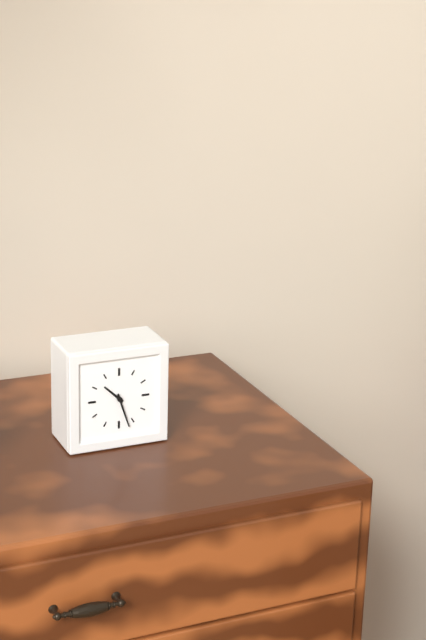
10.27
